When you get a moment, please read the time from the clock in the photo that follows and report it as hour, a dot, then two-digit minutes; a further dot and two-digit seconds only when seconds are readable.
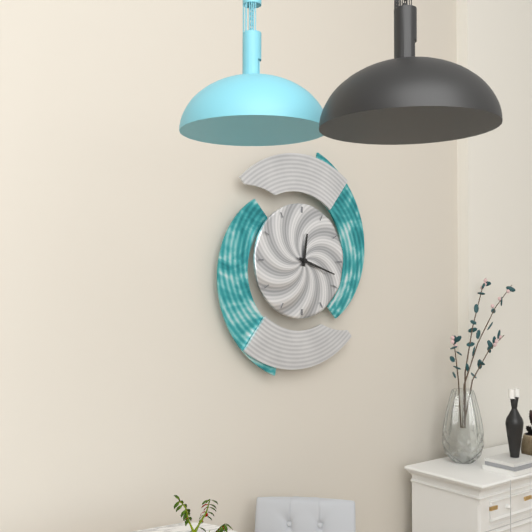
12.18
